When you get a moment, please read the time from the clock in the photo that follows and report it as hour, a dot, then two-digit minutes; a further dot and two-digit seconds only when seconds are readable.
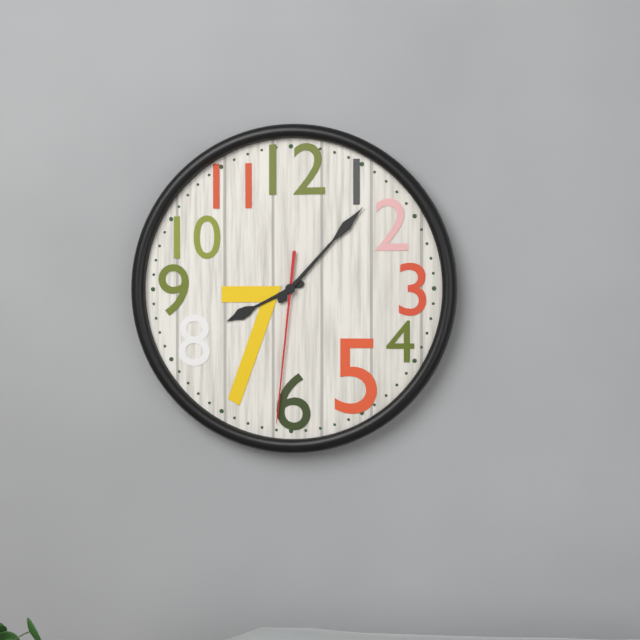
8.07.31
